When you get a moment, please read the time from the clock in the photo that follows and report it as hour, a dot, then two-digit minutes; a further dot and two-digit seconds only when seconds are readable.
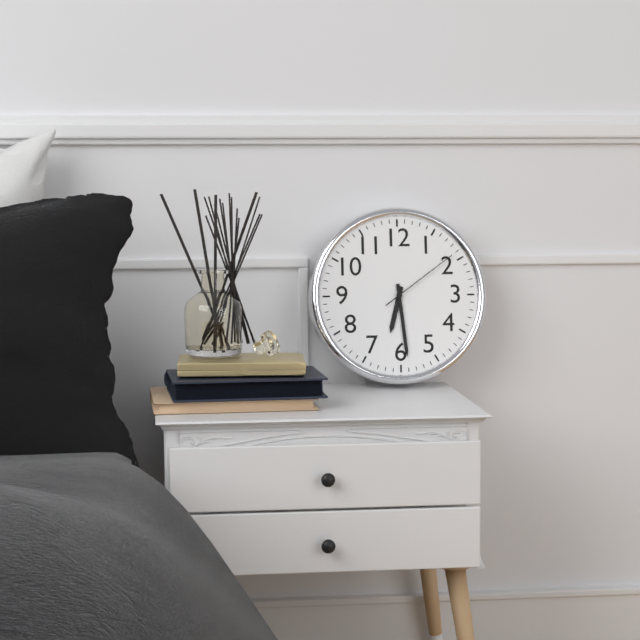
6.29.09
